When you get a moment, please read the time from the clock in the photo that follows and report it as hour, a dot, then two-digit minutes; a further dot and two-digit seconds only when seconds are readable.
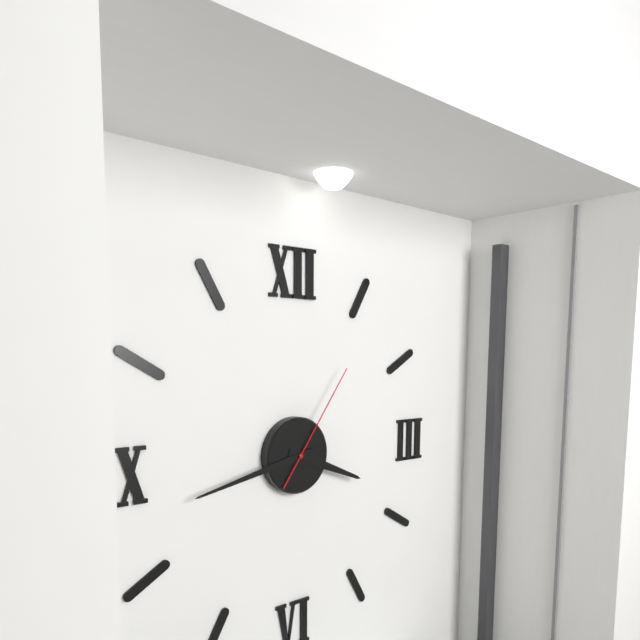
3.43.06
